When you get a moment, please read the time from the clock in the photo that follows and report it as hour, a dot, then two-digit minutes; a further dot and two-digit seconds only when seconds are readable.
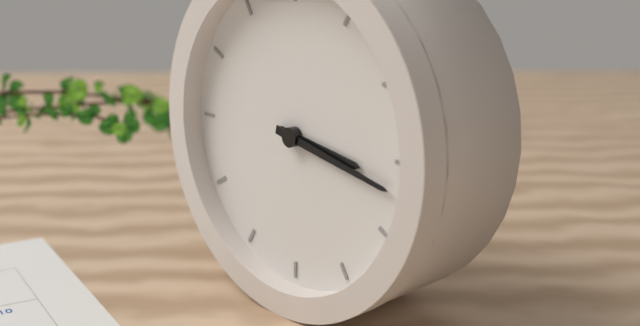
3.17
